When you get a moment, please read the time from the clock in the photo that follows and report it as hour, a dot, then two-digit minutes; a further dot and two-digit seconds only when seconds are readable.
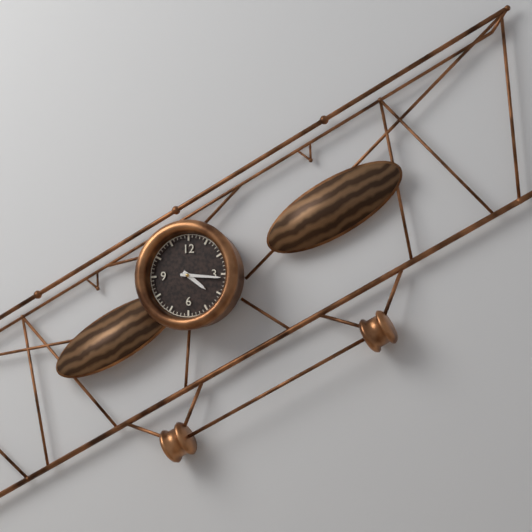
4.16
